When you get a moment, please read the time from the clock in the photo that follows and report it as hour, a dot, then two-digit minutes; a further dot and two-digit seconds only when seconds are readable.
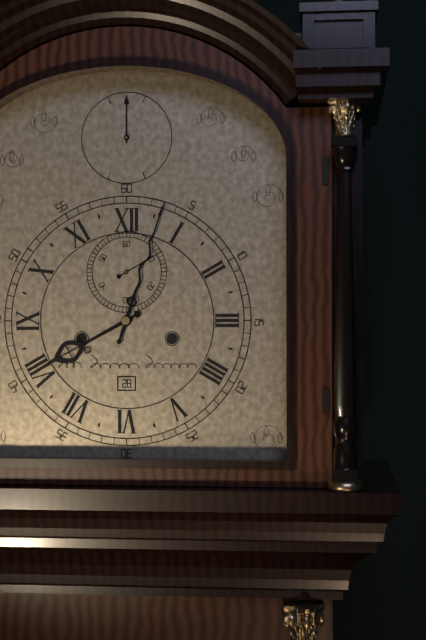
8.03
